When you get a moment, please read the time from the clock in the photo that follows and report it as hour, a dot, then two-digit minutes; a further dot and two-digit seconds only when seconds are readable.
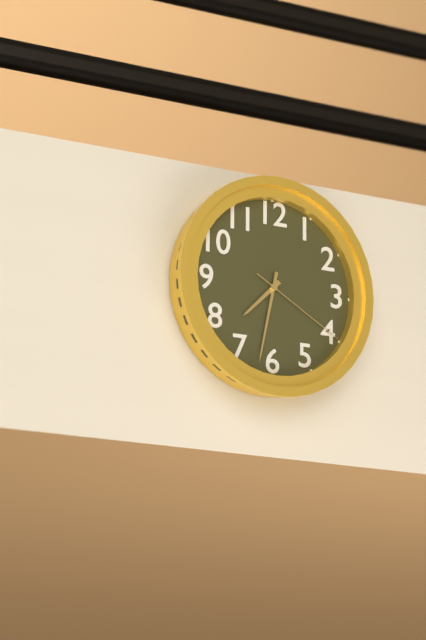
7.32.20
